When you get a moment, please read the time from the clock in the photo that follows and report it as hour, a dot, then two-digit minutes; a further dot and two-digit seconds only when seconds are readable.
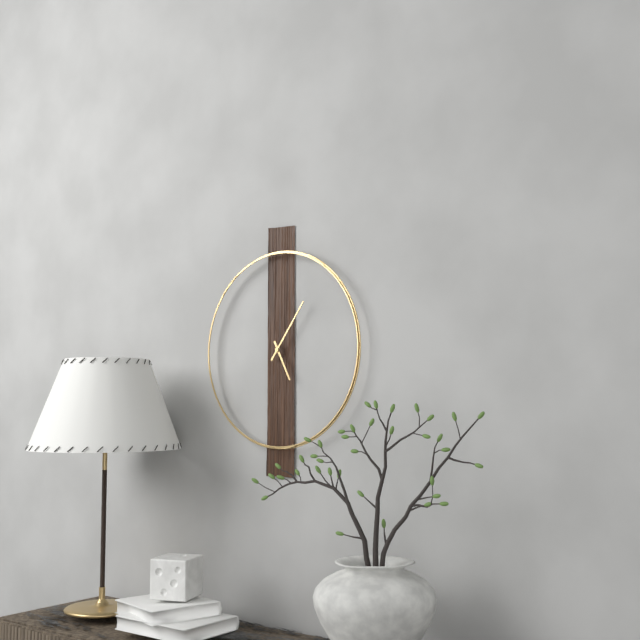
5.06
